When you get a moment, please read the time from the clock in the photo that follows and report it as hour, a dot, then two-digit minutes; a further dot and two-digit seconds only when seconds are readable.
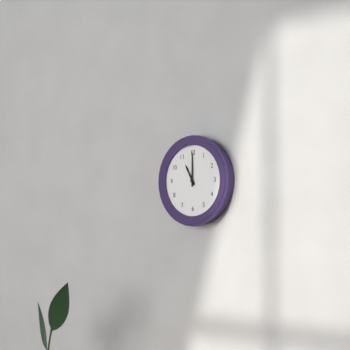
11.00
